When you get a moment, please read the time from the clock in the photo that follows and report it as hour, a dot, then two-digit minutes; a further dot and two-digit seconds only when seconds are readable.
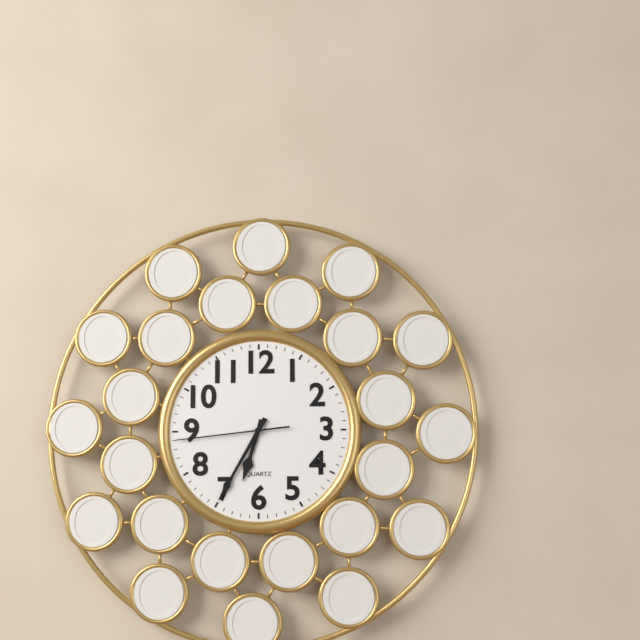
6.35.44
